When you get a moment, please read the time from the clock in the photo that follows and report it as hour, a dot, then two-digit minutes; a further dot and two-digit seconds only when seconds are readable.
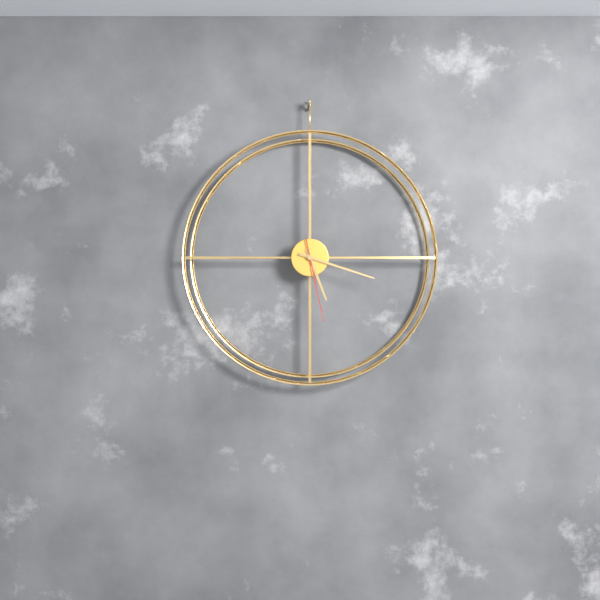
5.18.28
